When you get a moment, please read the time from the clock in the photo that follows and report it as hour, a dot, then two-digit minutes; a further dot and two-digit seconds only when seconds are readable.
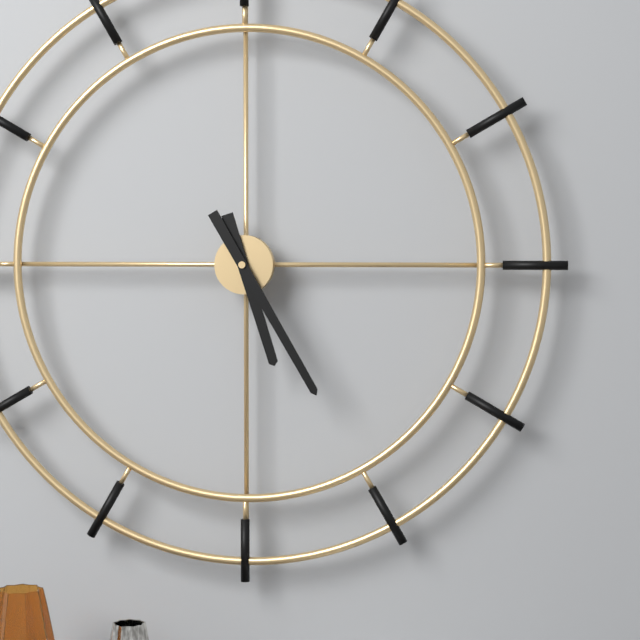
5.25
